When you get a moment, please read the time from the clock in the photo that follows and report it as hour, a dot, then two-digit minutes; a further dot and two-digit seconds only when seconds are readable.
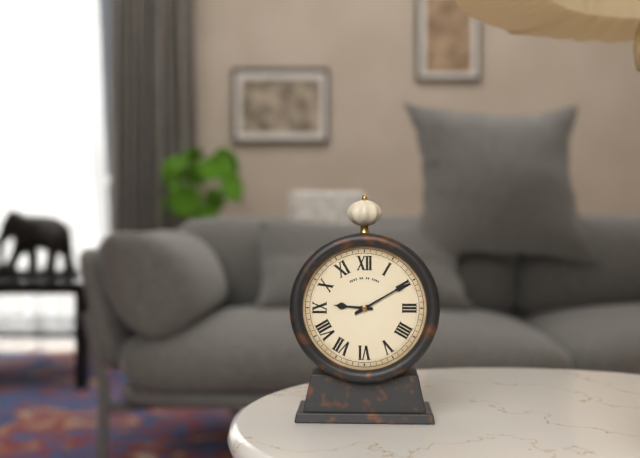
9.10
